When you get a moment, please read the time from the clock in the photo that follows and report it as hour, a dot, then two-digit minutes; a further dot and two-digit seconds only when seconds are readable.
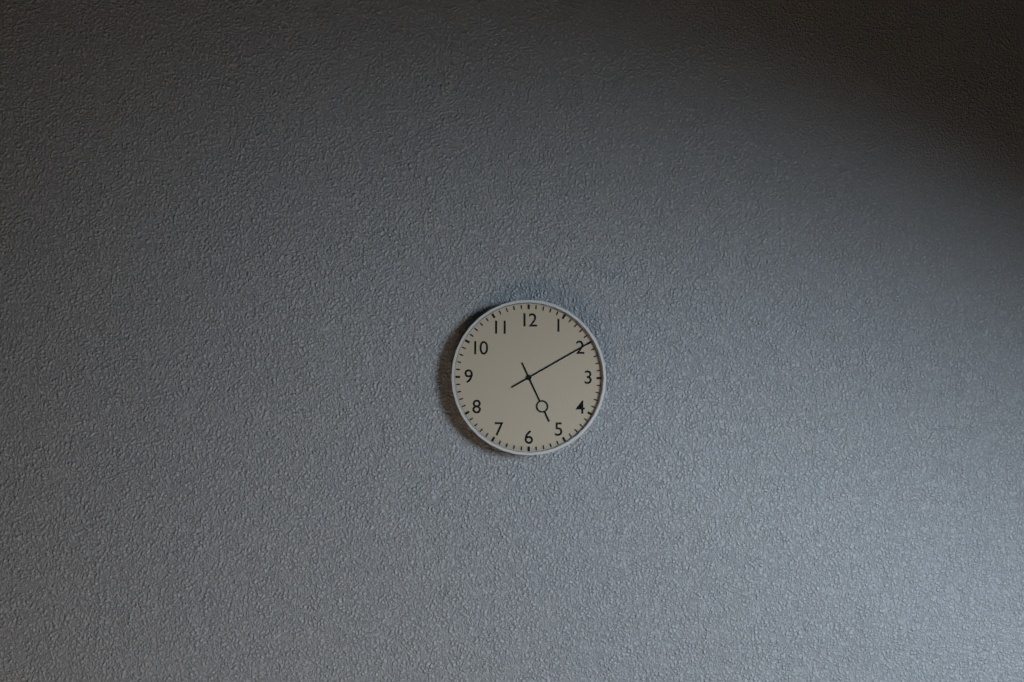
5.10
